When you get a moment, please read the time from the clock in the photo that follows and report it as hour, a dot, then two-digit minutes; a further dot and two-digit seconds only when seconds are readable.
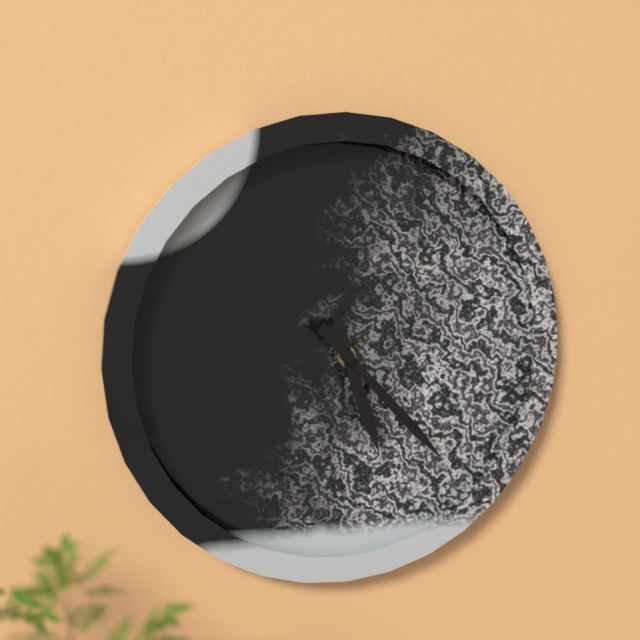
5.23
